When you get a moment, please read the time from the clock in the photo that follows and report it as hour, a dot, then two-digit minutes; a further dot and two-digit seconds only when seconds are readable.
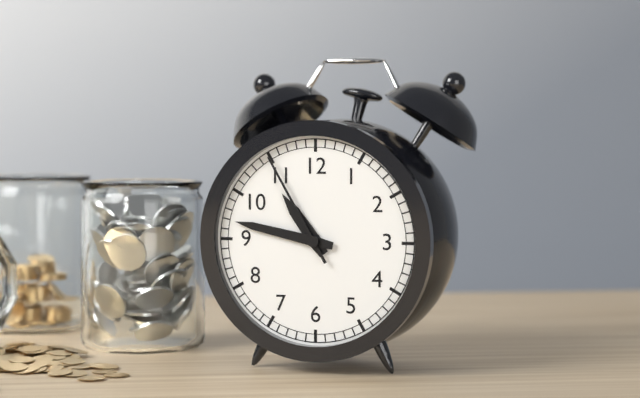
10.47.55
